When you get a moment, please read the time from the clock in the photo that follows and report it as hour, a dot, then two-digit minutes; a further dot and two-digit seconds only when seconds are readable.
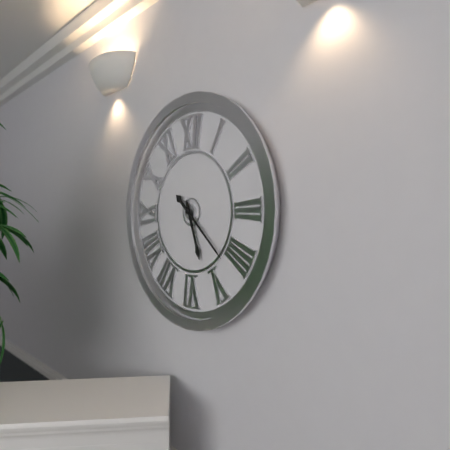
5.22
